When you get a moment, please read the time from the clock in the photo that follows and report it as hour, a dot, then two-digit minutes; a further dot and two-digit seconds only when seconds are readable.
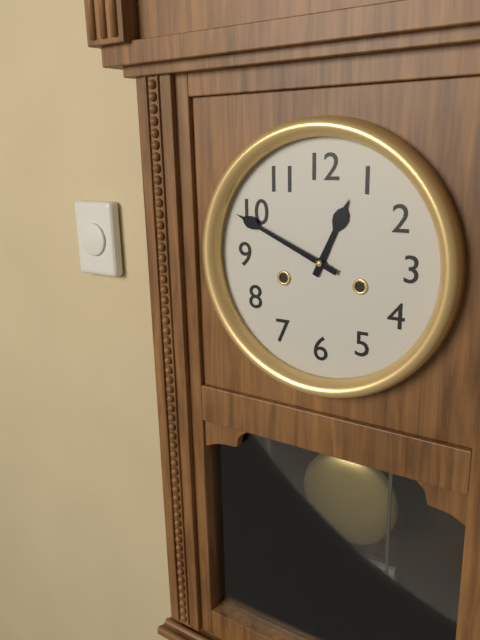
12.49
